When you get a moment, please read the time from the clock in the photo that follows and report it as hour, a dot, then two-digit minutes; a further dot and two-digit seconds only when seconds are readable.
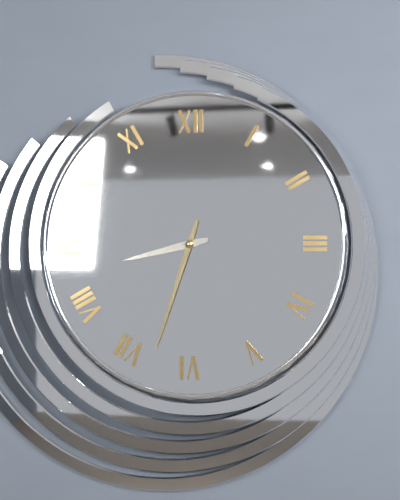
8.33
